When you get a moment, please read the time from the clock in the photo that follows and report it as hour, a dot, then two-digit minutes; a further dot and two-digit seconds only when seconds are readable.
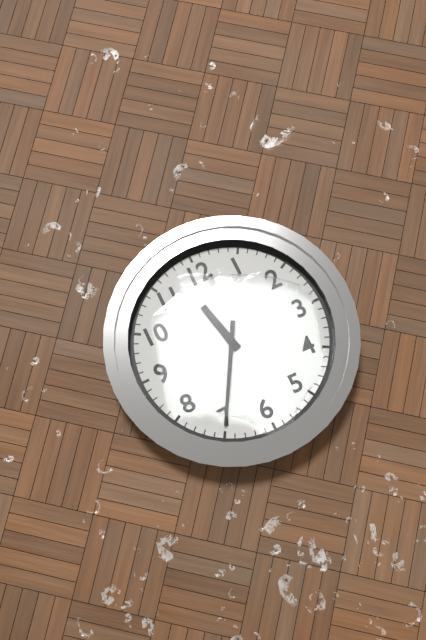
11.35
